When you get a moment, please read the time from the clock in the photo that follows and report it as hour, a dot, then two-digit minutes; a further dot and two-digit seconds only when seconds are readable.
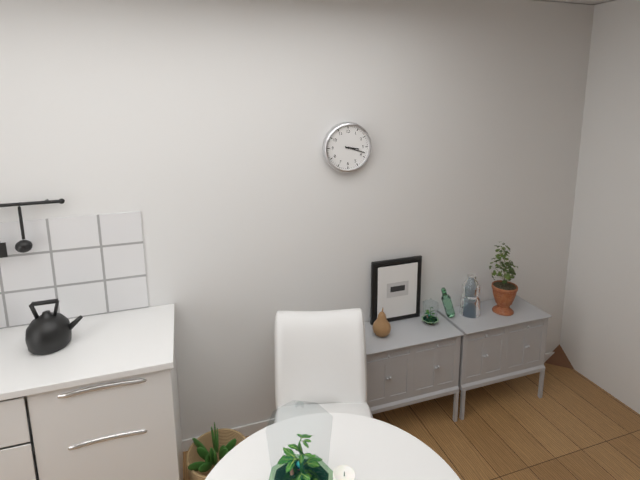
3.18
